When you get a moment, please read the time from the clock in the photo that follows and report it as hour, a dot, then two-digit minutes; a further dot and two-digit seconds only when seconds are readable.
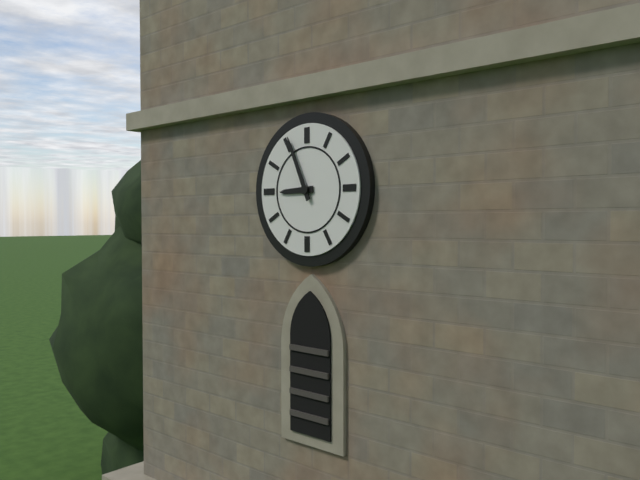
8.56
